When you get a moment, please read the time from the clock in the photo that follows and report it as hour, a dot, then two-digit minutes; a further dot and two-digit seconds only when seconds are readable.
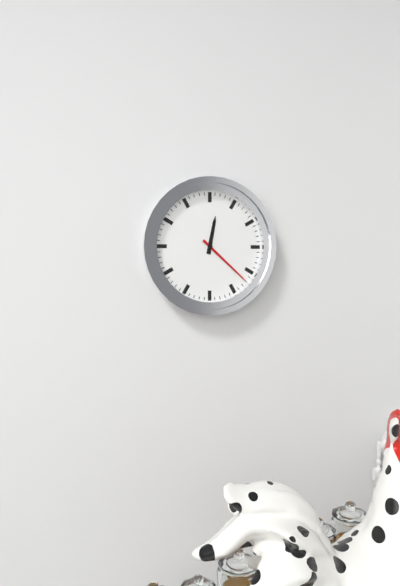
12.22
